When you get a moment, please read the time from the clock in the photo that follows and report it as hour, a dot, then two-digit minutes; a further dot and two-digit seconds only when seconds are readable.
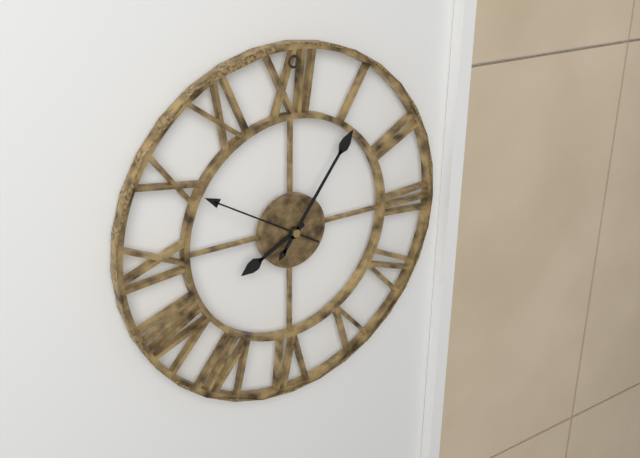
8.06.50
